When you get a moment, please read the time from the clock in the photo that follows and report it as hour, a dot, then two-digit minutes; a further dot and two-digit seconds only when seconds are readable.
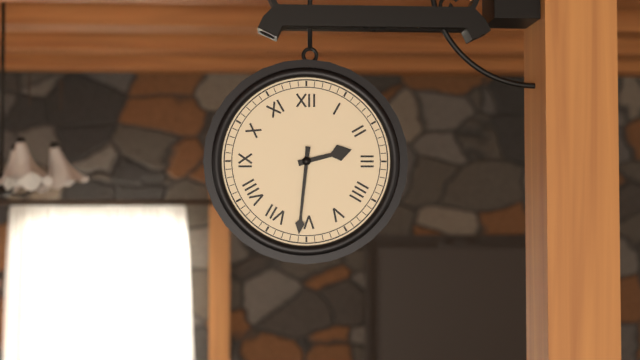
2.31
